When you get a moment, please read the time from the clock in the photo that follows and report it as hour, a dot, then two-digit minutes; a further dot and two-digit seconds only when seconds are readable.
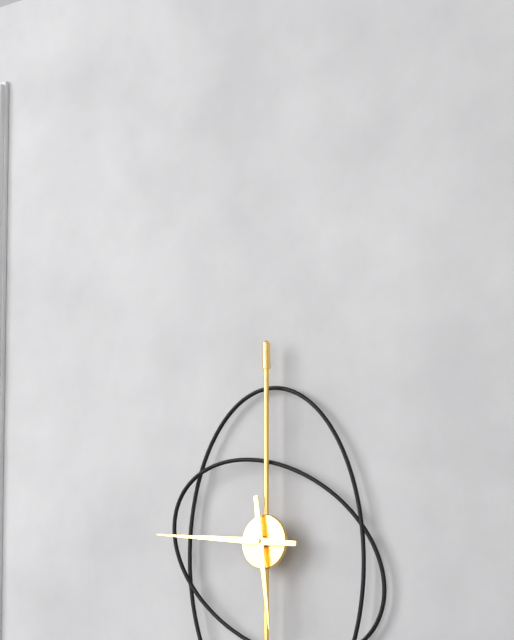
5.46
